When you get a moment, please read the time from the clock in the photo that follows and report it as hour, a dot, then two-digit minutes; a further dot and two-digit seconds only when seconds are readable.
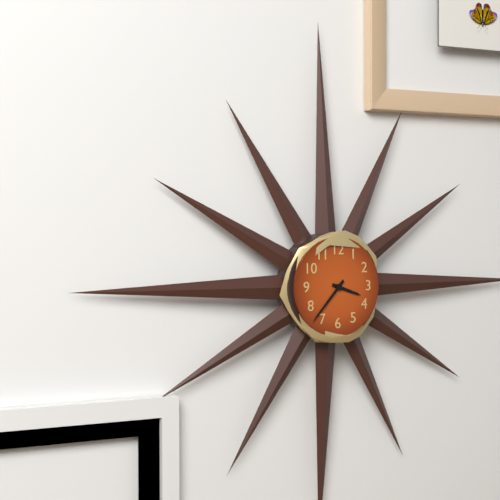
3.37
